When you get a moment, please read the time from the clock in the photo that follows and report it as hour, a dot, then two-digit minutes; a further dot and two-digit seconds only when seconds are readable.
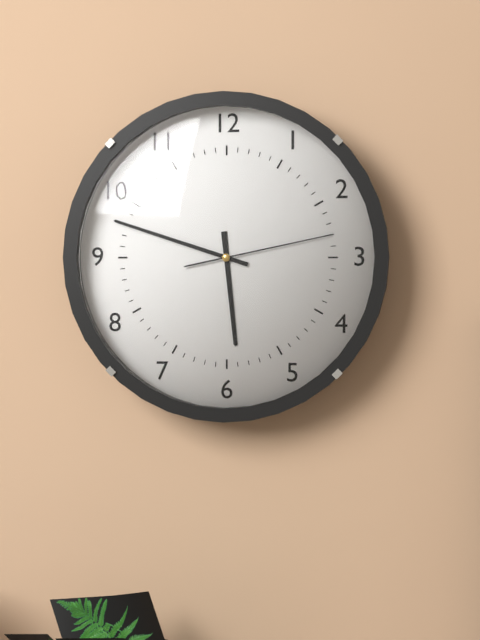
5.48.13
